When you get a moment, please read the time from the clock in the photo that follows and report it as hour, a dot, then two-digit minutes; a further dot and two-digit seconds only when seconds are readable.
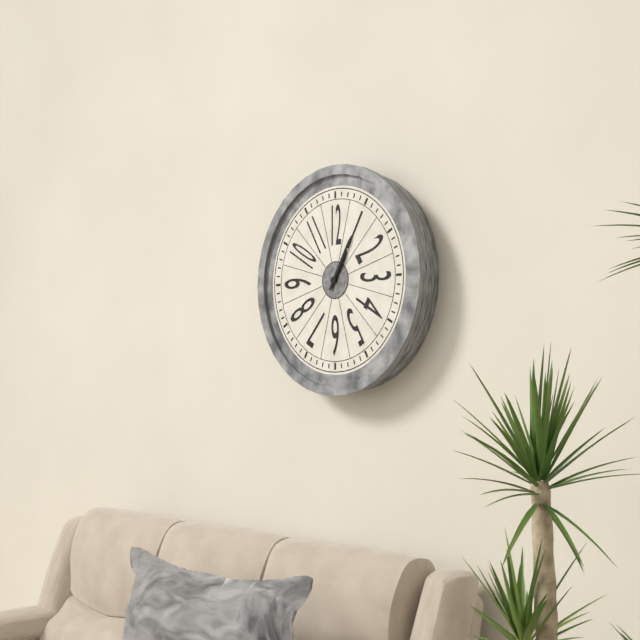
1.05
